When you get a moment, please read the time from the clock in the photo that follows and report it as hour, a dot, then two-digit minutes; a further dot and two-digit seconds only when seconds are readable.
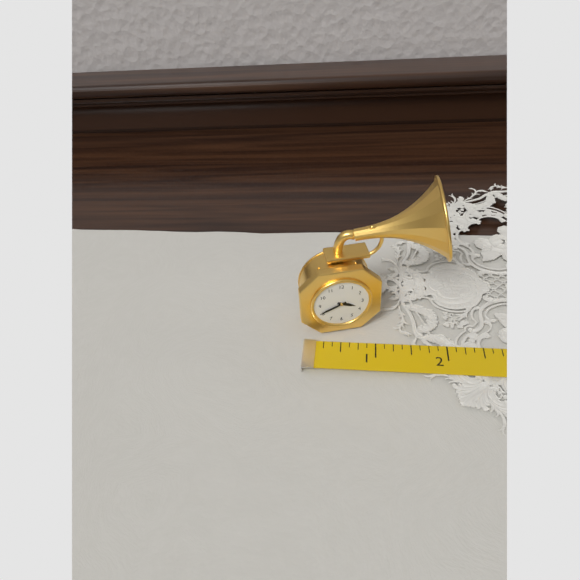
3.41
